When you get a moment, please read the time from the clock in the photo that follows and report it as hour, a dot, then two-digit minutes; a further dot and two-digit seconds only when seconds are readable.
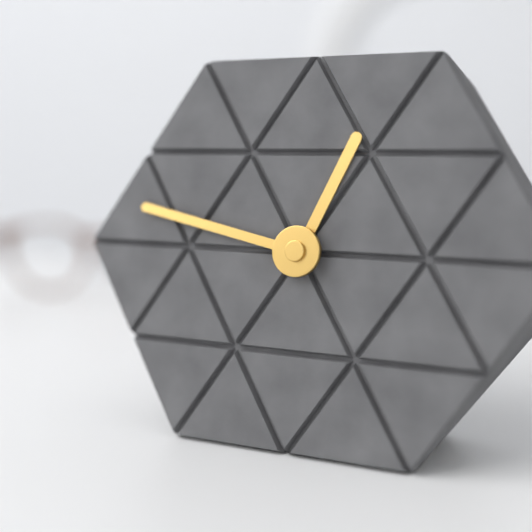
12.47
